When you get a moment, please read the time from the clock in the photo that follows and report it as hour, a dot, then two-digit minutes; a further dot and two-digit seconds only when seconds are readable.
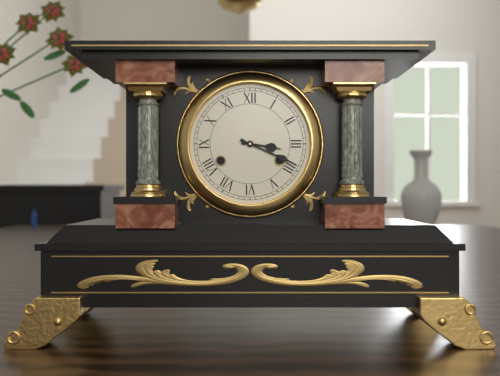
3.19
